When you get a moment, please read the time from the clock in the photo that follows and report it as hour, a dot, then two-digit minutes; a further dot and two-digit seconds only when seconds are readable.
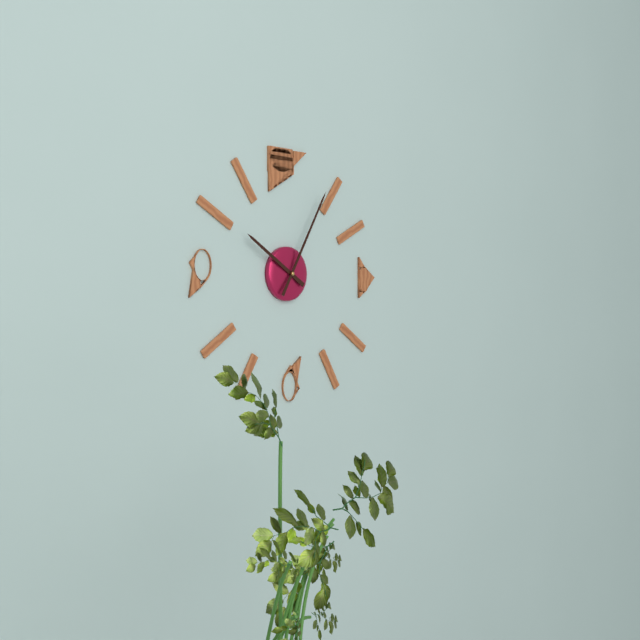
10.05
